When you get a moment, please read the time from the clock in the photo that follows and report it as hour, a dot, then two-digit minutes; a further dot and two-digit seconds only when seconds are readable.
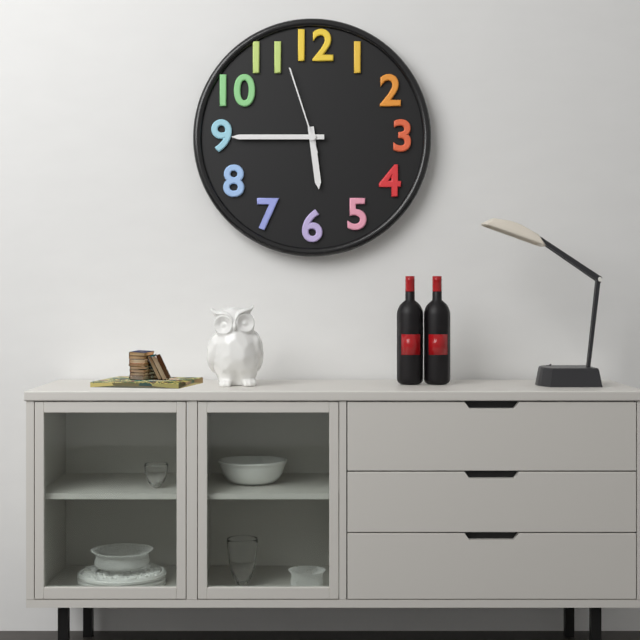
5.45.57
